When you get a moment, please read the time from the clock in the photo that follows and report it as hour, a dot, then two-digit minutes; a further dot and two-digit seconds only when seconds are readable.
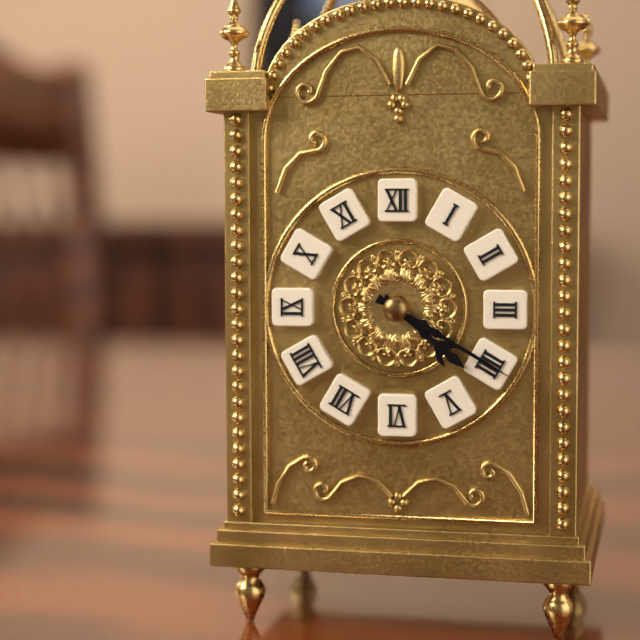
4.20
